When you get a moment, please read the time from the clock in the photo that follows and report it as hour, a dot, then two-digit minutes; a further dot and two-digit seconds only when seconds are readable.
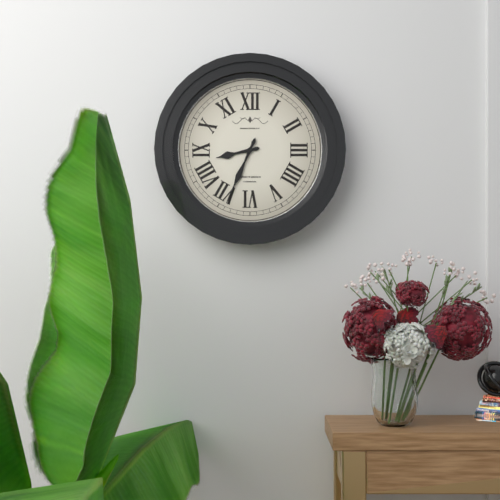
8.34
